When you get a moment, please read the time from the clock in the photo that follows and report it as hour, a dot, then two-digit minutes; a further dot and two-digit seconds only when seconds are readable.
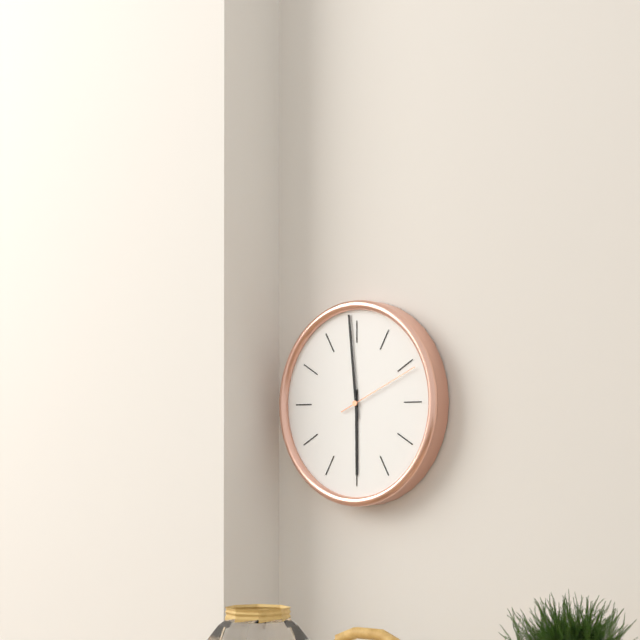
5.59.11
